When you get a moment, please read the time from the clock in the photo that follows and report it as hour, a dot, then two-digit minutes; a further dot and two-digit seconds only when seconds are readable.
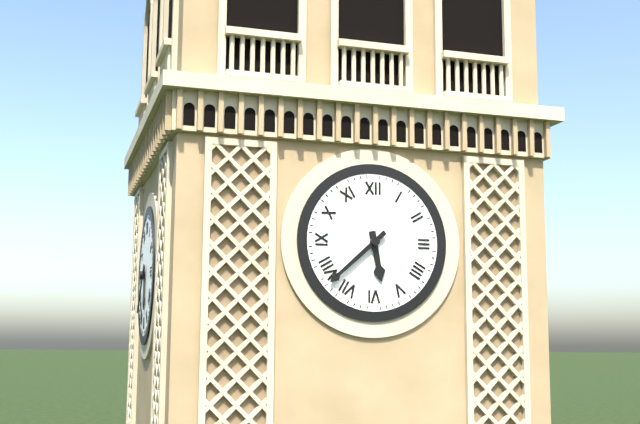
5.38
